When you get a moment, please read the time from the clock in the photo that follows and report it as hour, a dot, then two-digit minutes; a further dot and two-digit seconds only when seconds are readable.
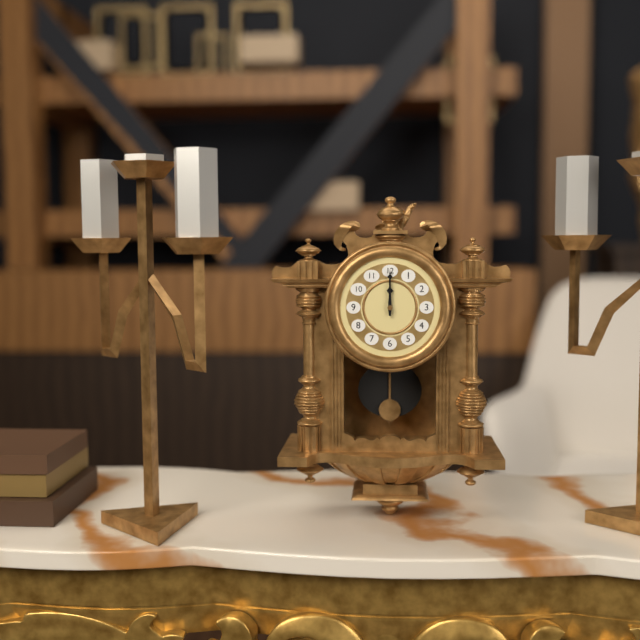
12.00
